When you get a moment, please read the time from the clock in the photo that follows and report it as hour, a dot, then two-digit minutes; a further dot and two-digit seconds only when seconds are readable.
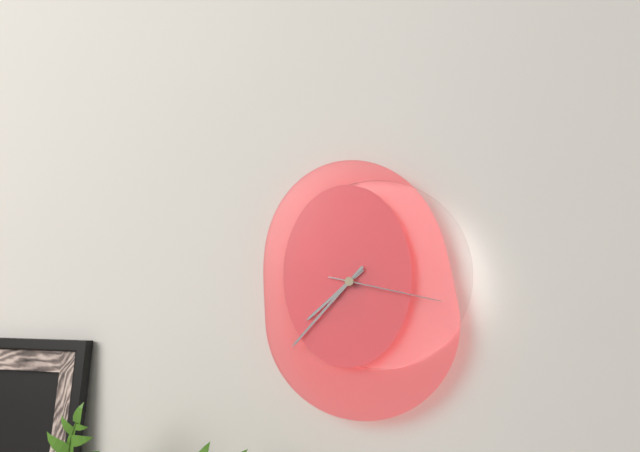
7.37.17
